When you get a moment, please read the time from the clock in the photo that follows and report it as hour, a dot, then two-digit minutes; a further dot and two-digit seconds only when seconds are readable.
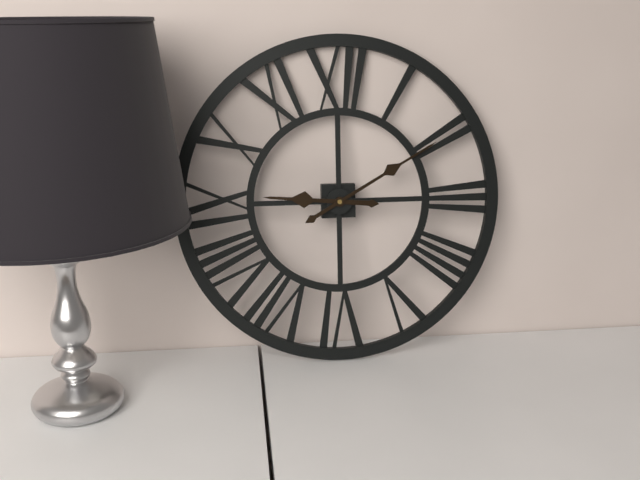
9.10
